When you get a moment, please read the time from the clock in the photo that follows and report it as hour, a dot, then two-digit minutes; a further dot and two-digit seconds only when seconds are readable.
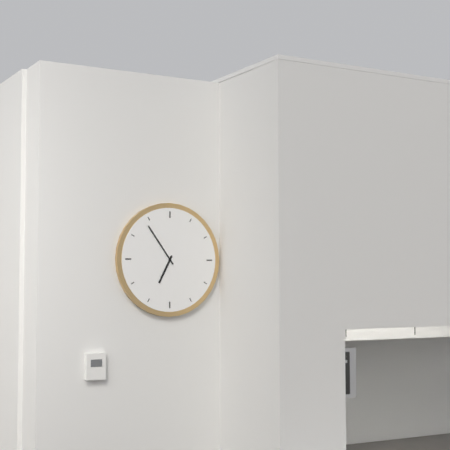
6.54
